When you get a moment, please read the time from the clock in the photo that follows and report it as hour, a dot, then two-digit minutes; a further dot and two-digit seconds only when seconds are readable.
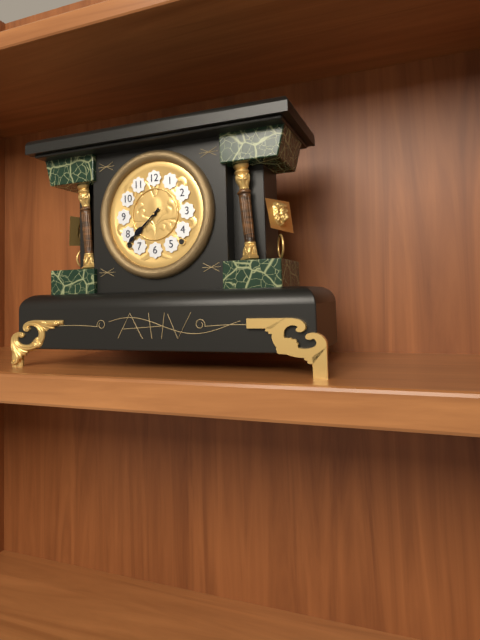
7.38
